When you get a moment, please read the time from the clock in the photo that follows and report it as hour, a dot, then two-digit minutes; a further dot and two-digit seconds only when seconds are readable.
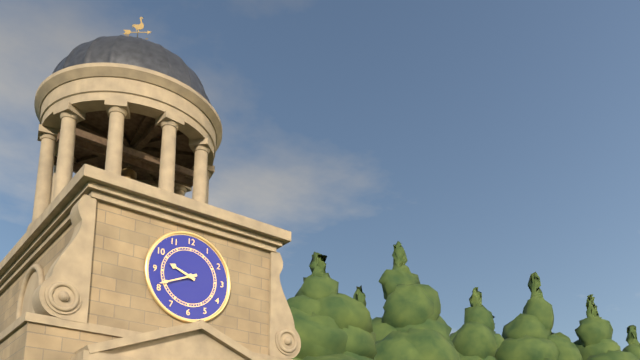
9.41
